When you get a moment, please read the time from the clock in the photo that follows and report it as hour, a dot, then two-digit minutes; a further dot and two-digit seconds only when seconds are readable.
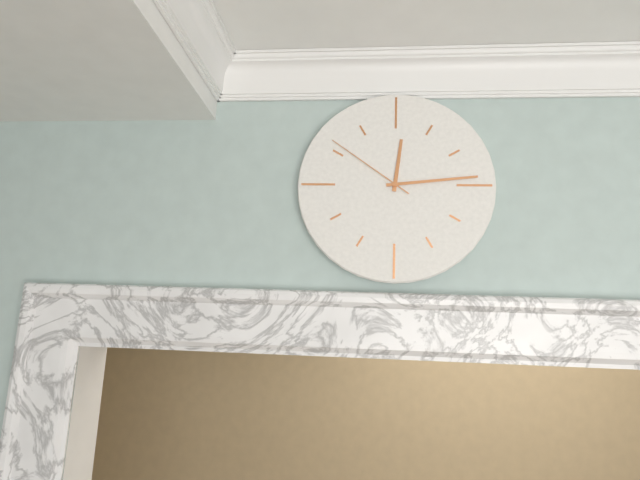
12.14.51
